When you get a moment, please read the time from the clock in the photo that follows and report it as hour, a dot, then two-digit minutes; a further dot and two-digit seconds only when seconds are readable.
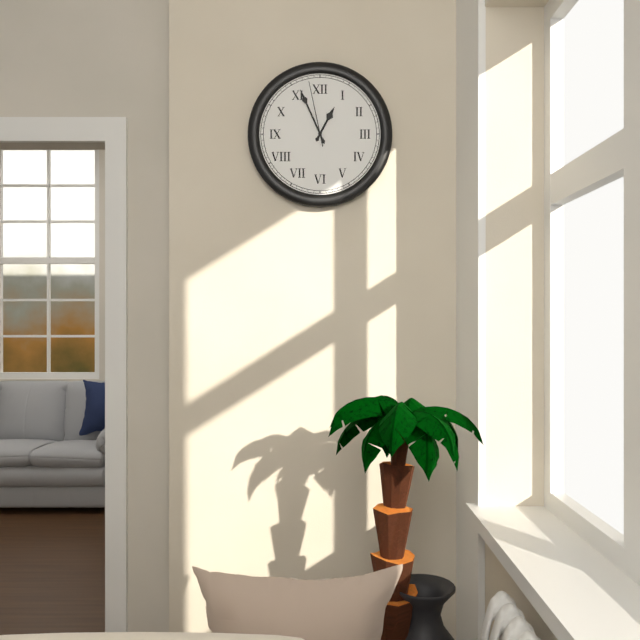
12.56.58
